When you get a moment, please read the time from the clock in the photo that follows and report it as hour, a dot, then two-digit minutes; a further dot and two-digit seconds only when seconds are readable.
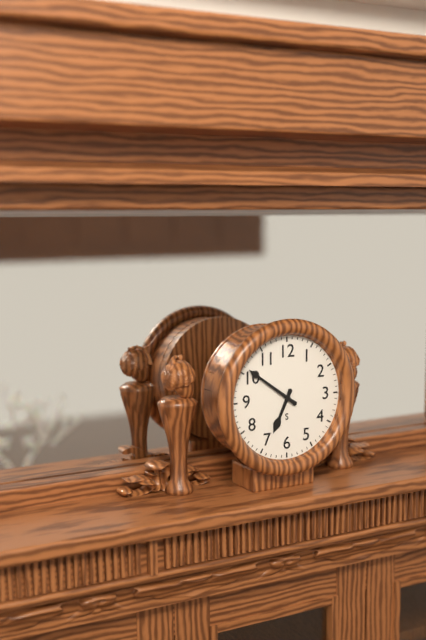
6.51
